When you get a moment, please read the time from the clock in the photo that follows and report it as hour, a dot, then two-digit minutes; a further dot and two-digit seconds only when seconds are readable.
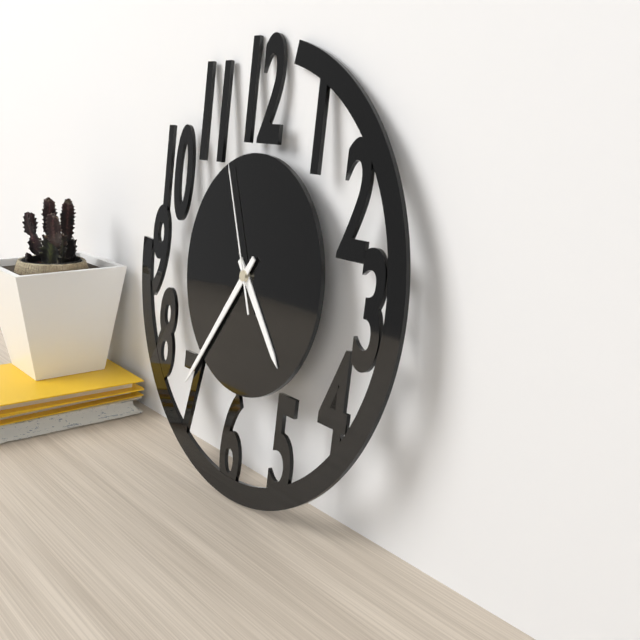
4.36.56
